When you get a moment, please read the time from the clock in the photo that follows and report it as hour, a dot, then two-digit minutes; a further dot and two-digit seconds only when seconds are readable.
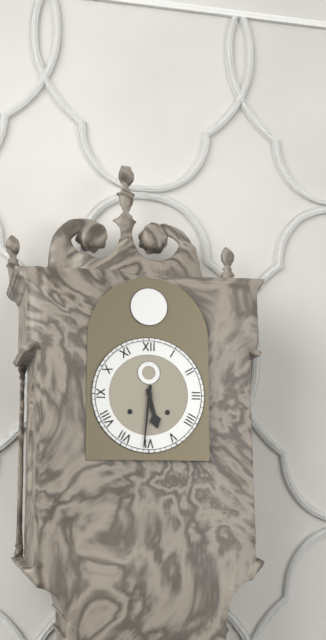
5.31
